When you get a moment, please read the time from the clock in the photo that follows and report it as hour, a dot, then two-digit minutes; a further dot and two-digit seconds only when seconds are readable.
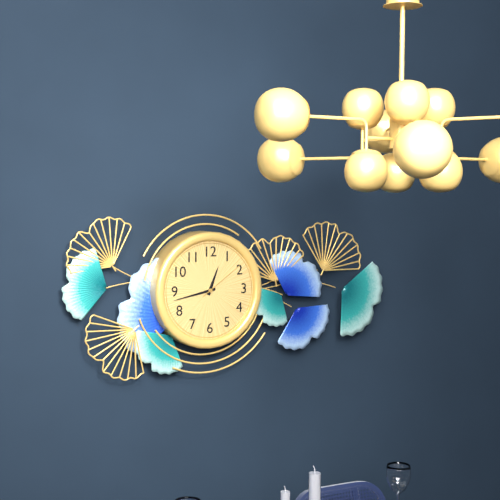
12.43.09
